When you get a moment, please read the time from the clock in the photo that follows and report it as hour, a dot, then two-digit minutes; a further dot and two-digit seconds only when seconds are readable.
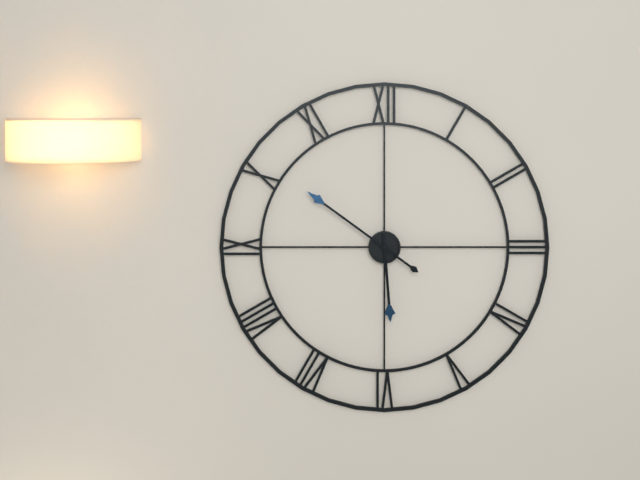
5.51
